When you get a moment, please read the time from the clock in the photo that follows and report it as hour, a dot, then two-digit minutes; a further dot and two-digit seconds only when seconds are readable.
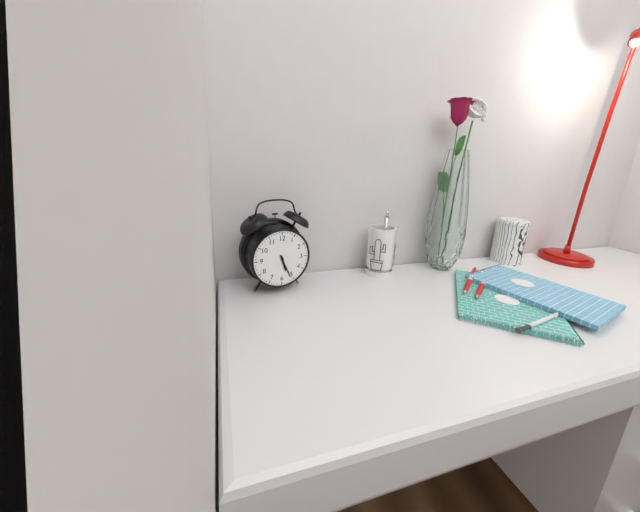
5.26
